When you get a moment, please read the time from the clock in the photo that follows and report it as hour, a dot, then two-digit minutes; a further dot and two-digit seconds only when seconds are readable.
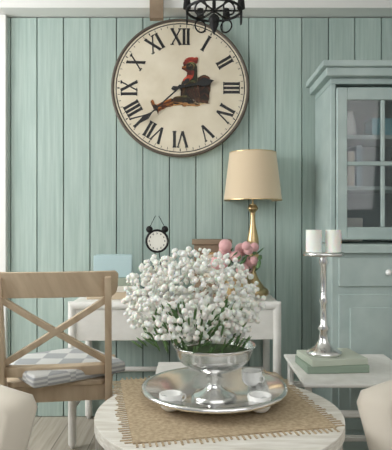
2.38
